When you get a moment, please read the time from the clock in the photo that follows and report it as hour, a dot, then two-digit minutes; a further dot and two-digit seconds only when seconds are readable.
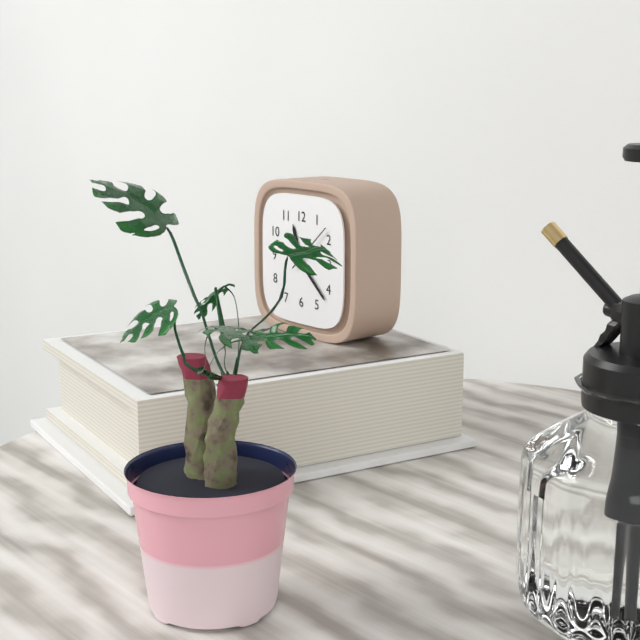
11.22.08
